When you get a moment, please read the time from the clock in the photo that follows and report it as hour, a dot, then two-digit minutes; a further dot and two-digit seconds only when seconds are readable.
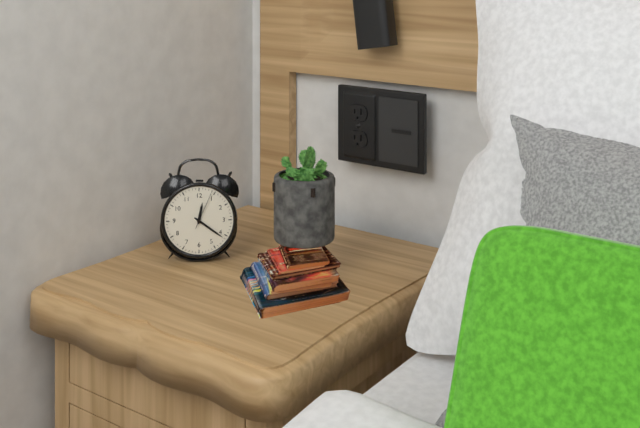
12.21
